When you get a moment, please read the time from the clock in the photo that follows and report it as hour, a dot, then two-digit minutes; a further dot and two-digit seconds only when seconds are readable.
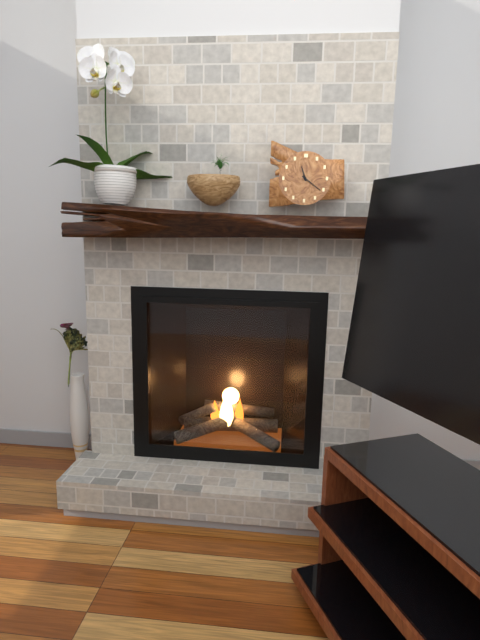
11.21
